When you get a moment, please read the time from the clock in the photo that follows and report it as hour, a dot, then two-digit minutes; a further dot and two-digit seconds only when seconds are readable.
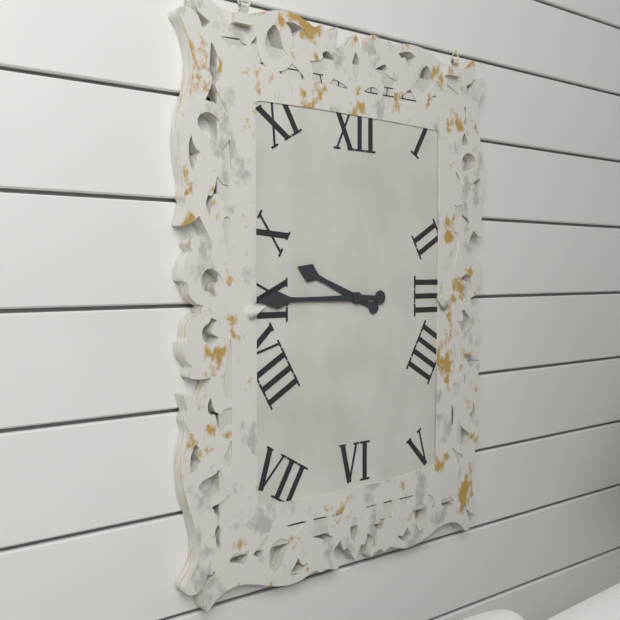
9.45
